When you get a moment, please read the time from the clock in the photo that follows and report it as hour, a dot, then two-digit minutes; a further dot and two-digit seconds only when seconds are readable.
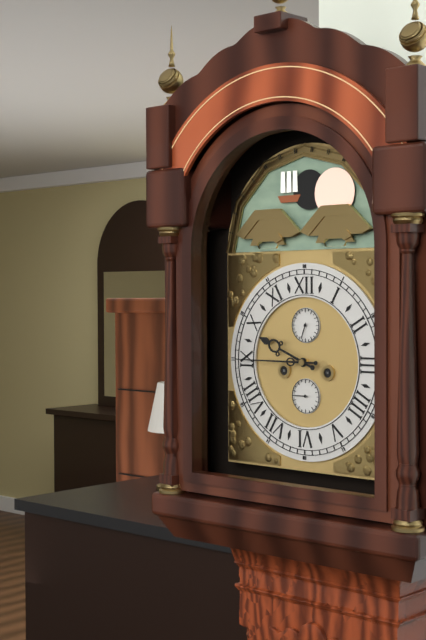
9.45
